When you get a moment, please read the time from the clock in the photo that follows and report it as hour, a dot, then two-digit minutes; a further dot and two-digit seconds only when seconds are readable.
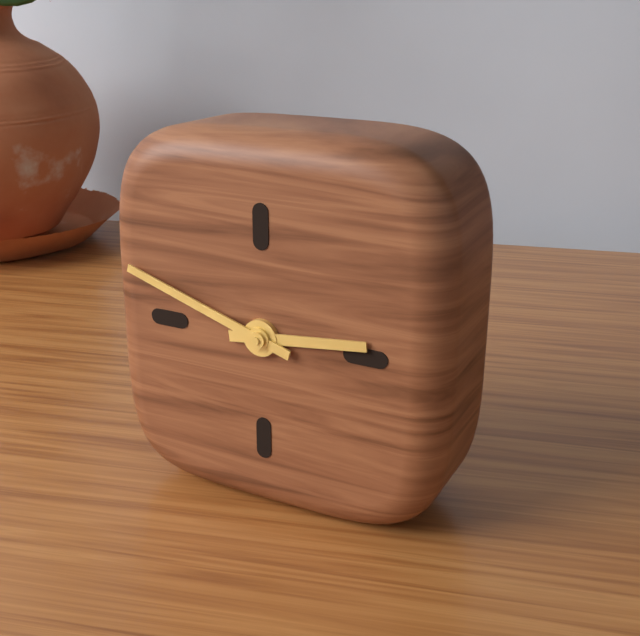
2.48
